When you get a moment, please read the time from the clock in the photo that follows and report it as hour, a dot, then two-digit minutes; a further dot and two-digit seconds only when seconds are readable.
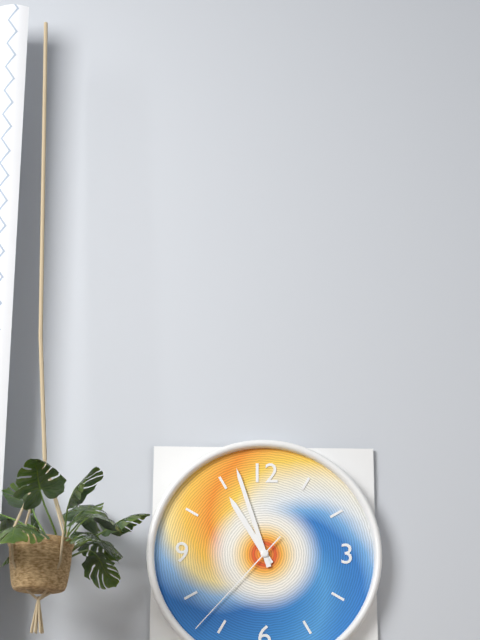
10.57.37
